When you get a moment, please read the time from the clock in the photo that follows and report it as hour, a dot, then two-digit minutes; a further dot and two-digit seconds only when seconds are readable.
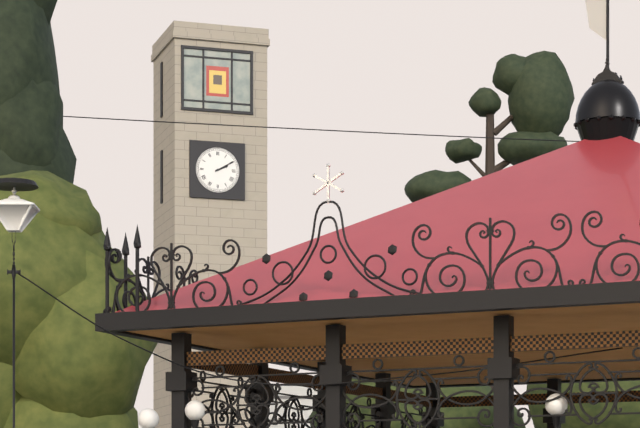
2.10
